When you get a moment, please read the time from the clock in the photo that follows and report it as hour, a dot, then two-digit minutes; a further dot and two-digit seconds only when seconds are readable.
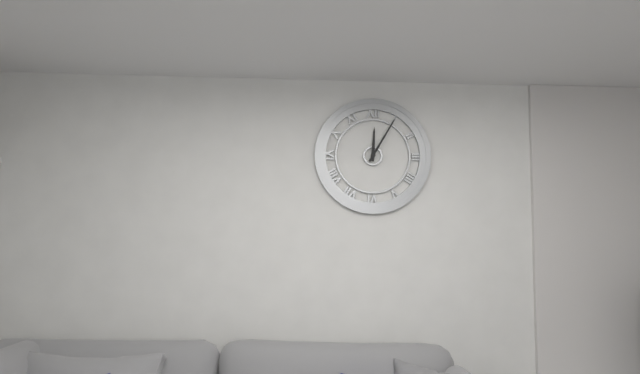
12.05
